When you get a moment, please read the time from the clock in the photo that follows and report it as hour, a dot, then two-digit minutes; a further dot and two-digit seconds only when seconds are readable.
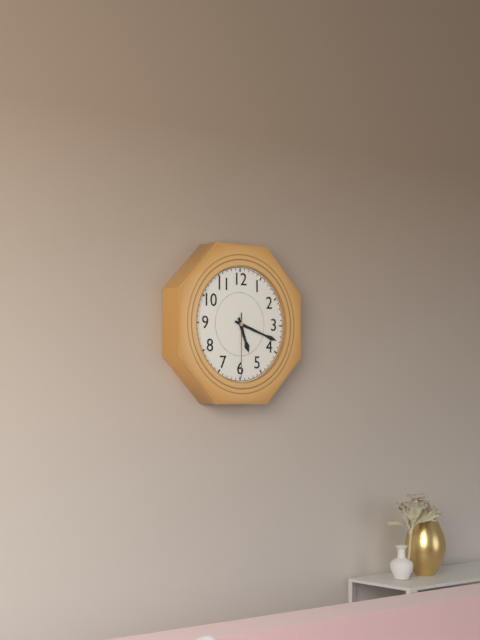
5.18.30
